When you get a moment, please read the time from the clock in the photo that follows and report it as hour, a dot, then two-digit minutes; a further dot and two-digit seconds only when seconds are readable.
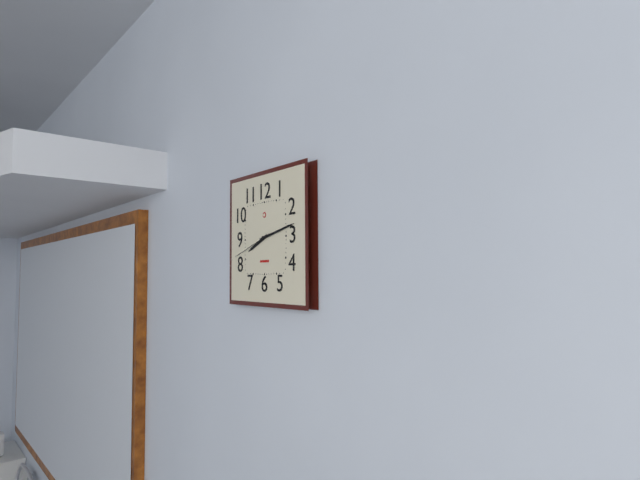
8.13
